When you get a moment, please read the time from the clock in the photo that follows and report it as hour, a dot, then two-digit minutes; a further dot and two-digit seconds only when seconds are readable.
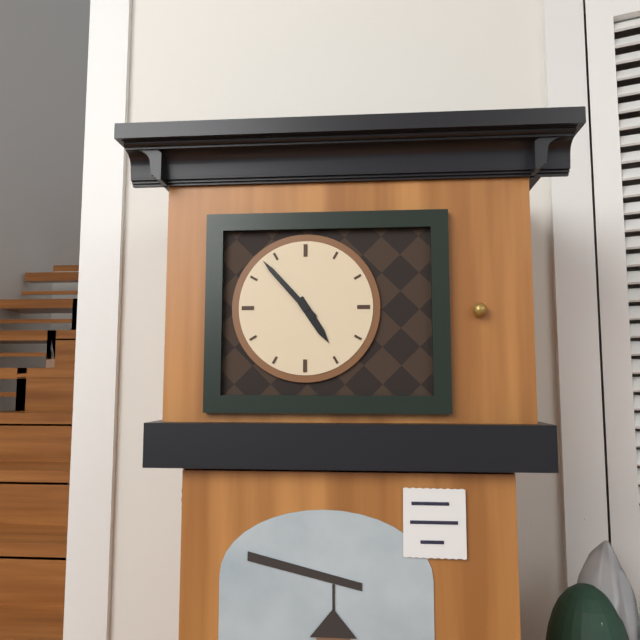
4.53
